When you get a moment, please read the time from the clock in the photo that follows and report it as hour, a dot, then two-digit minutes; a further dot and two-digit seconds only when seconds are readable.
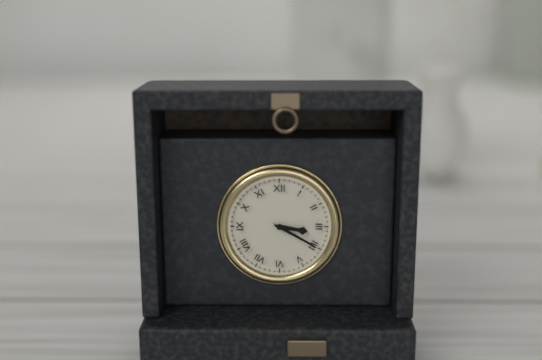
3.20
